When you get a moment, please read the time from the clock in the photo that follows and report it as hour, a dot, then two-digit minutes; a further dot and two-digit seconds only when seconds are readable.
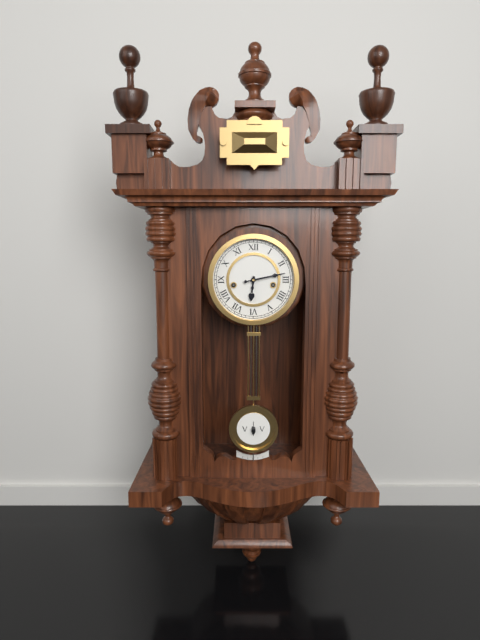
6.13
